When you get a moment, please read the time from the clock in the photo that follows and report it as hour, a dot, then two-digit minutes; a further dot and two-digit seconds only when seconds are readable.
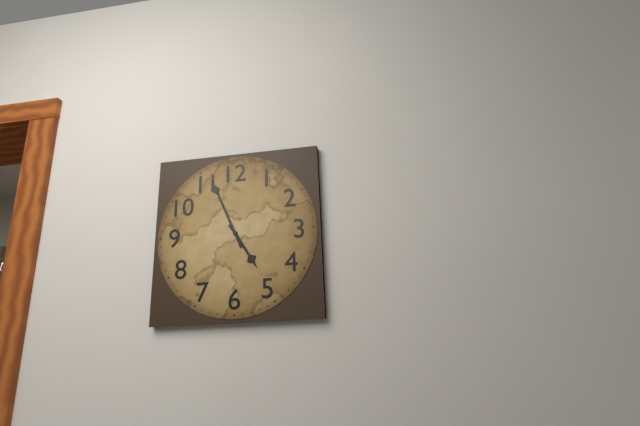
4.56
